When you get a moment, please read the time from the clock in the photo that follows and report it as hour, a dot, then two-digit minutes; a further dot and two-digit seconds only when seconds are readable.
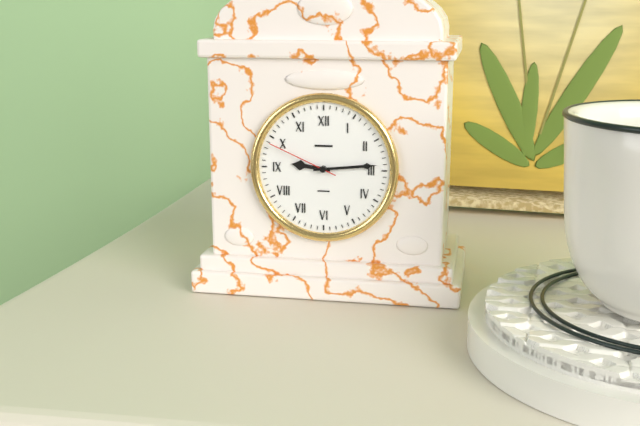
9.14.49
